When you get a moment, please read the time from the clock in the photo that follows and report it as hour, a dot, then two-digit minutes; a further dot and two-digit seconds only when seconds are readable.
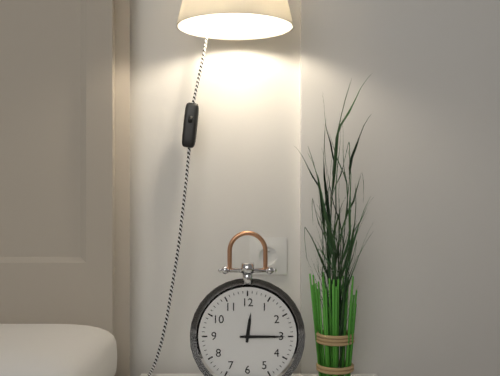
12.15
